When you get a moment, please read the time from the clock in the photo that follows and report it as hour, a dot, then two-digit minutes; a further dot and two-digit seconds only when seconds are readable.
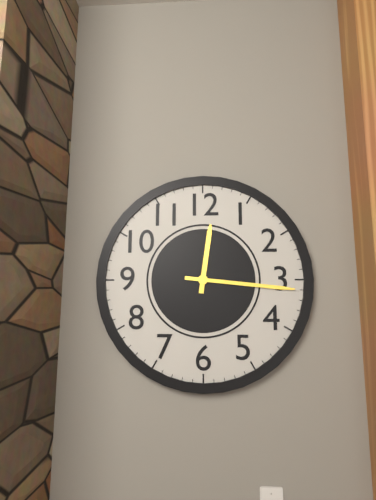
12.16
